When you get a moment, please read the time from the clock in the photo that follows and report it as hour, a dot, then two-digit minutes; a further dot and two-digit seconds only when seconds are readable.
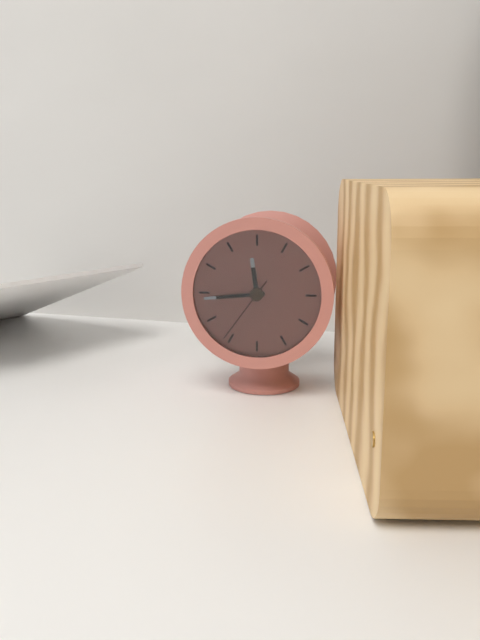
11.44.36
